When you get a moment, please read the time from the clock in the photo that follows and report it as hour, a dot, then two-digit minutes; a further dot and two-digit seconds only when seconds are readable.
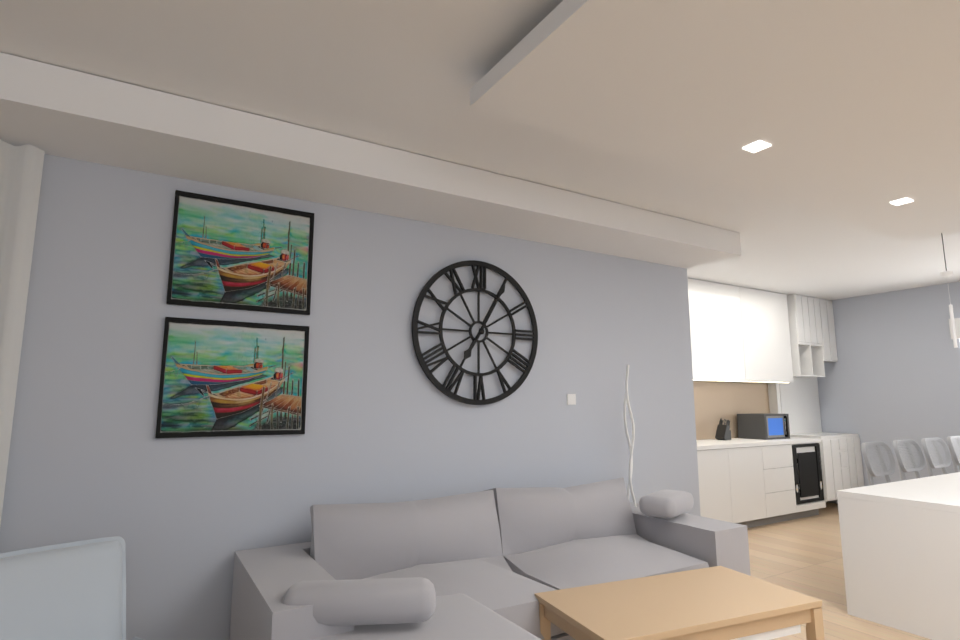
7.05
